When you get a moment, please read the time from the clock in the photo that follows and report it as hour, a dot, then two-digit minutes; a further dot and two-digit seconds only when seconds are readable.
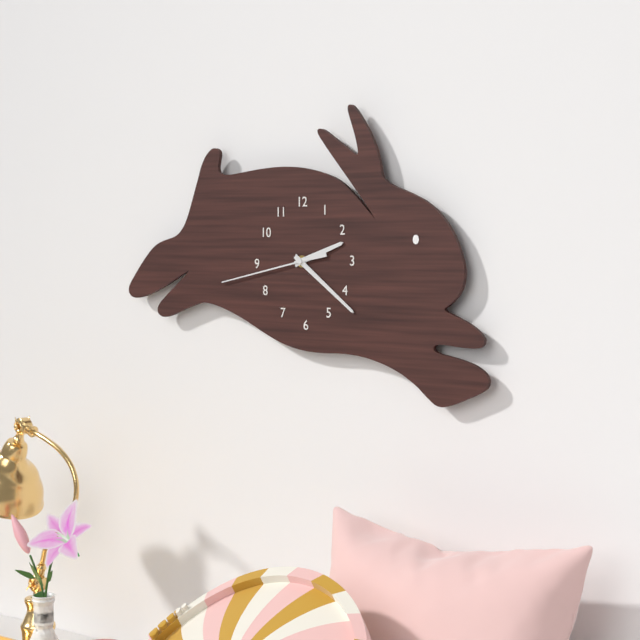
2.21.43
